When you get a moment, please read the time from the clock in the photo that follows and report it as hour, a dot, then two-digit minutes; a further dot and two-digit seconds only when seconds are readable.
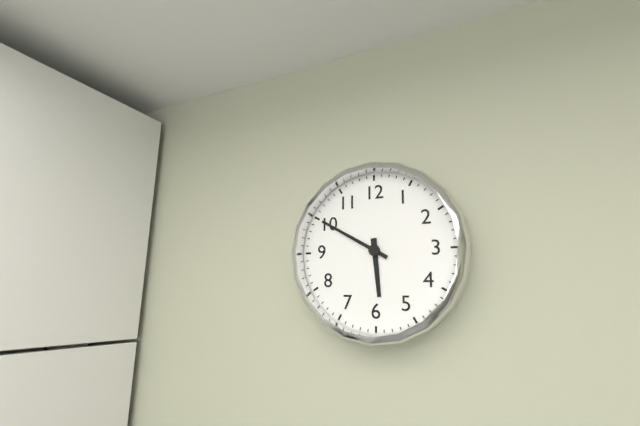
5.50
